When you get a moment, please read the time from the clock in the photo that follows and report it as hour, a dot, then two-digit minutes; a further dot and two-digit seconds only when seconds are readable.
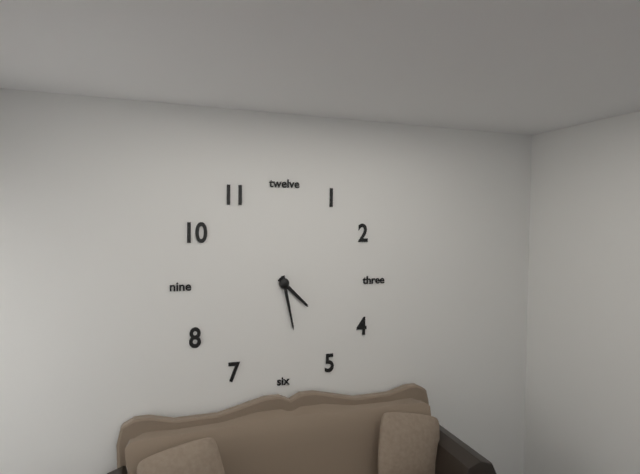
4.28
